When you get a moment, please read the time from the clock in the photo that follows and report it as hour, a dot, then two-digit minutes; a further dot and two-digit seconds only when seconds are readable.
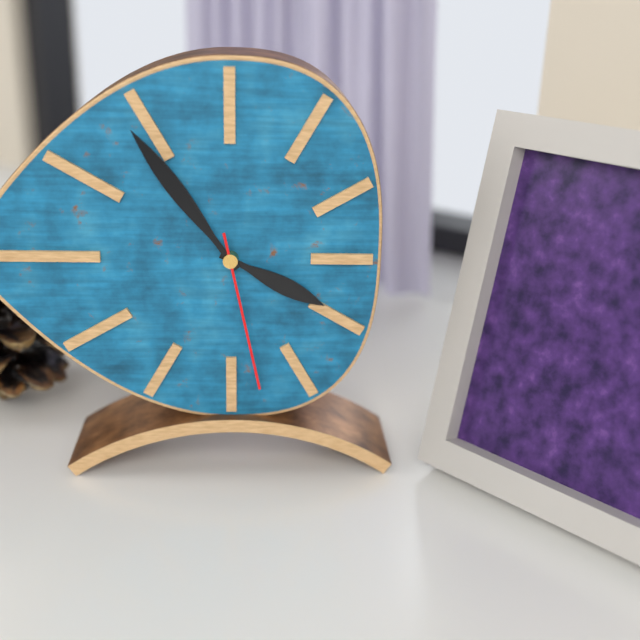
3.54.28
